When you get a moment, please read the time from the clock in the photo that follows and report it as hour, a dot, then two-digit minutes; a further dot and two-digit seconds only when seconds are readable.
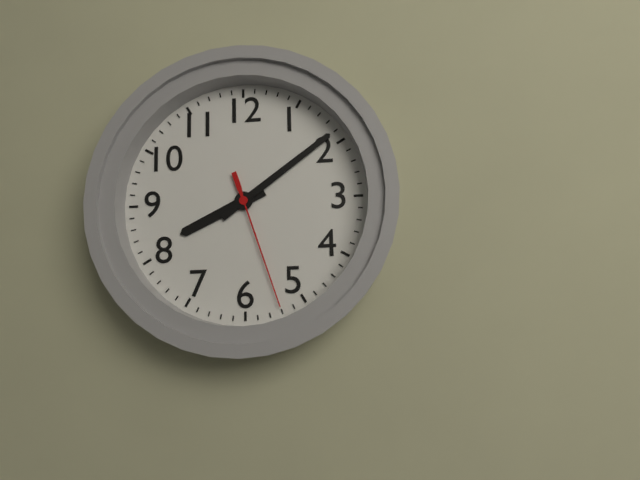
8.09.27
